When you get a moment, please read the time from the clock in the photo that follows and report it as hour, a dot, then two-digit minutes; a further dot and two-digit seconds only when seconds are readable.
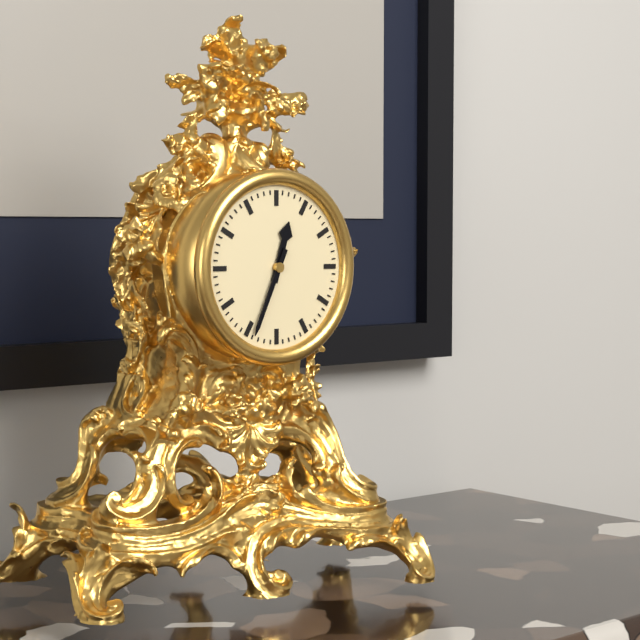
12.34
